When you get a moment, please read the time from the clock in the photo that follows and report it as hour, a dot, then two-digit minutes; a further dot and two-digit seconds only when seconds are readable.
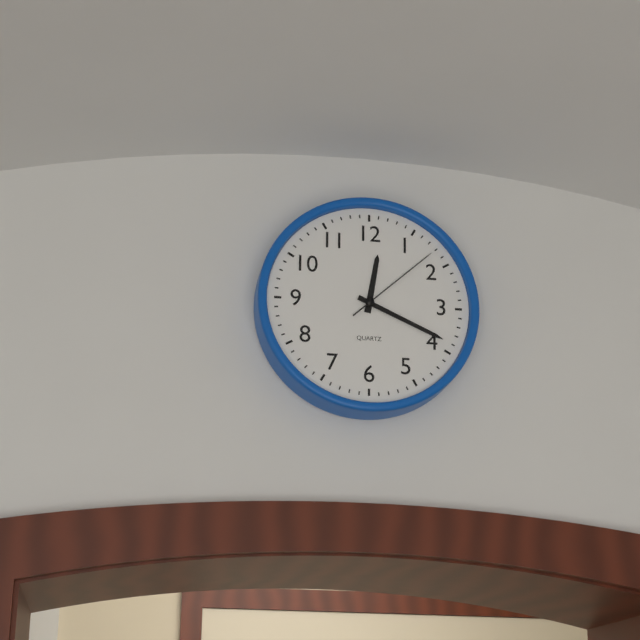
12.19.08
